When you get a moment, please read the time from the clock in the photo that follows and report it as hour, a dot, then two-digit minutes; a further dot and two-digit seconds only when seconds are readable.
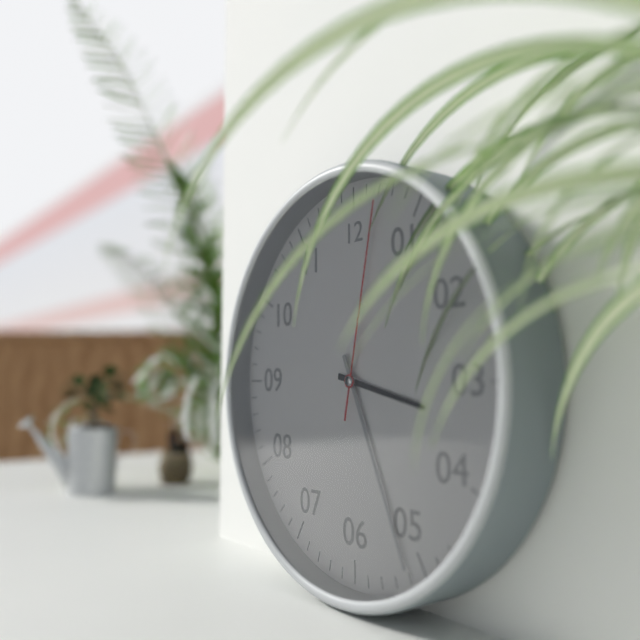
3.26.02
